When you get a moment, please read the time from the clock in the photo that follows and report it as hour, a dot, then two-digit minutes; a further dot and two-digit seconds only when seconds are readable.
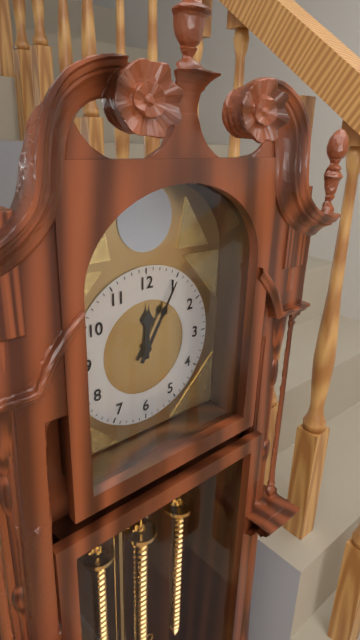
12.05
